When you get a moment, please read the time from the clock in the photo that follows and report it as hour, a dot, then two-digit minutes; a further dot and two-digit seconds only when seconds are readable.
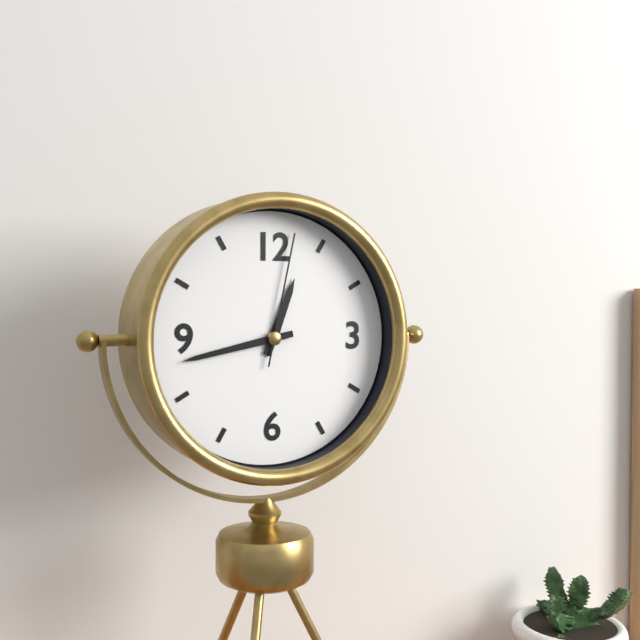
12.43.02
